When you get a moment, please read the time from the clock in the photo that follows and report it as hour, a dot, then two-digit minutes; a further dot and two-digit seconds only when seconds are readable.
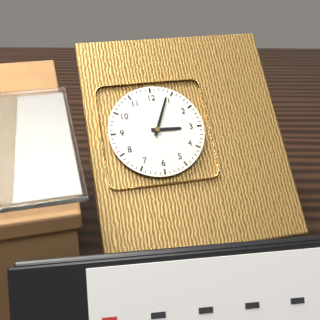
3.04
